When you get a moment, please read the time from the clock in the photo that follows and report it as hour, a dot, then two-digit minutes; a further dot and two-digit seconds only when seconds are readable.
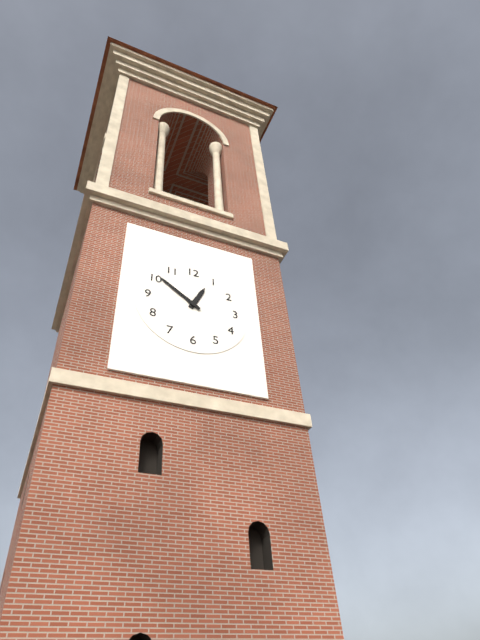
12.51
